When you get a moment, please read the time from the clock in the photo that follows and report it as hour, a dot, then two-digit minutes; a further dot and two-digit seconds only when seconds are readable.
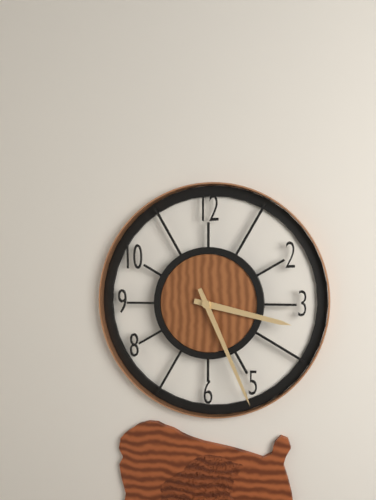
3.26
